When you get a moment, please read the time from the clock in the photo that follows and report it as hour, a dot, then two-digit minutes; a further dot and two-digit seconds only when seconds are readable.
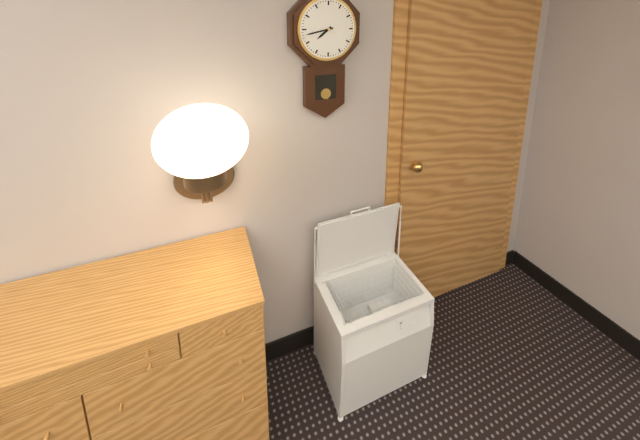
7.43
